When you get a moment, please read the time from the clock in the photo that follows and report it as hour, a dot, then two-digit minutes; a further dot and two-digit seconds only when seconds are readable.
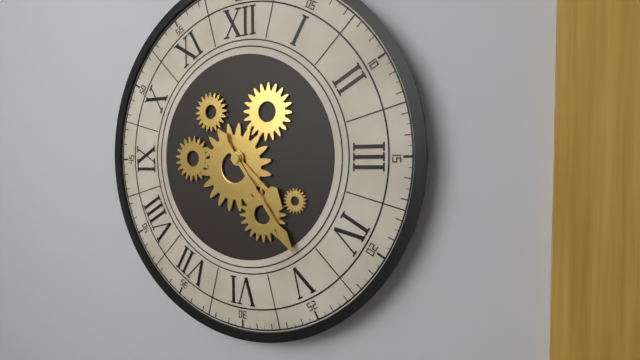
4.24
